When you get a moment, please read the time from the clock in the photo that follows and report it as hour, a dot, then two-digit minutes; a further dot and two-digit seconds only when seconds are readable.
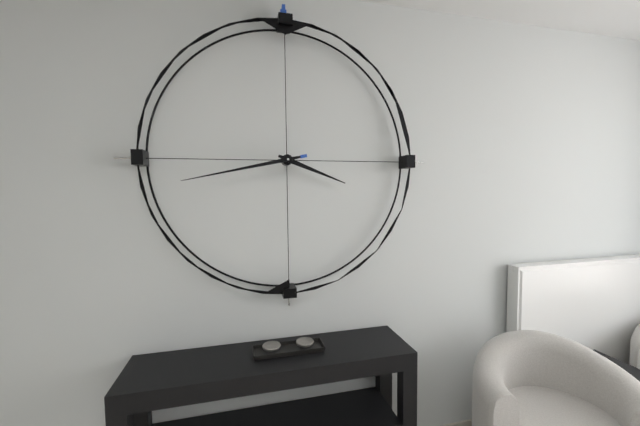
3.43
